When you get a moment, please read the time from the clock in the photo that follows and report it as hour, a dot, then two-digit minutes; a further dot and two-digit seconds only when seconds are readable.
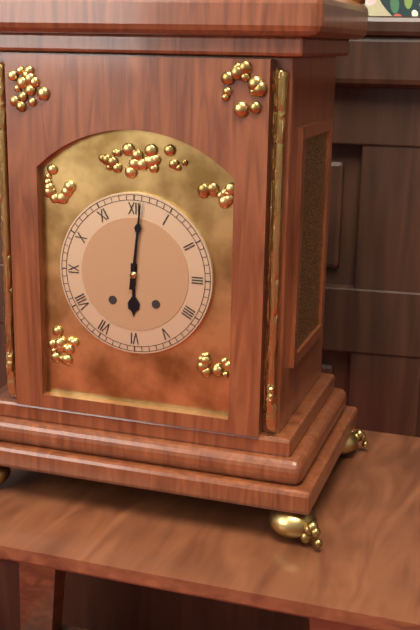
6.01
